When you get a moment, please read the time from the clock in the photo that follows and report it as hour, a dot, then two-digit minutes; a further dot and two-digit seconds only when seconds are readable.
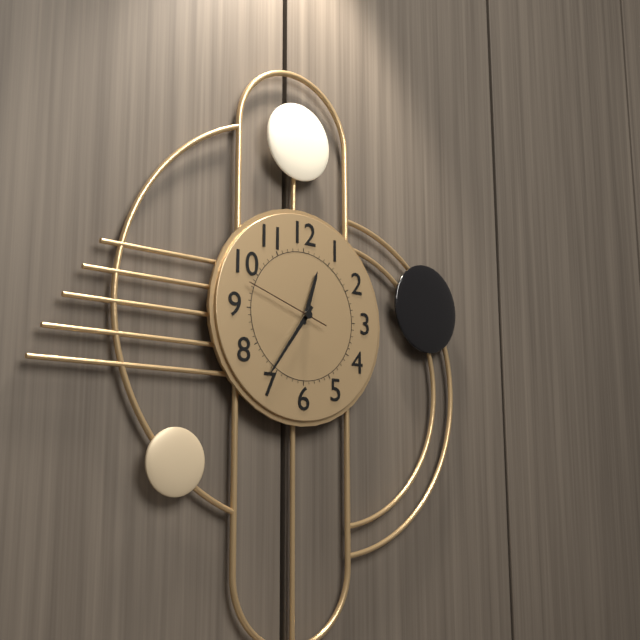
12.36.48
